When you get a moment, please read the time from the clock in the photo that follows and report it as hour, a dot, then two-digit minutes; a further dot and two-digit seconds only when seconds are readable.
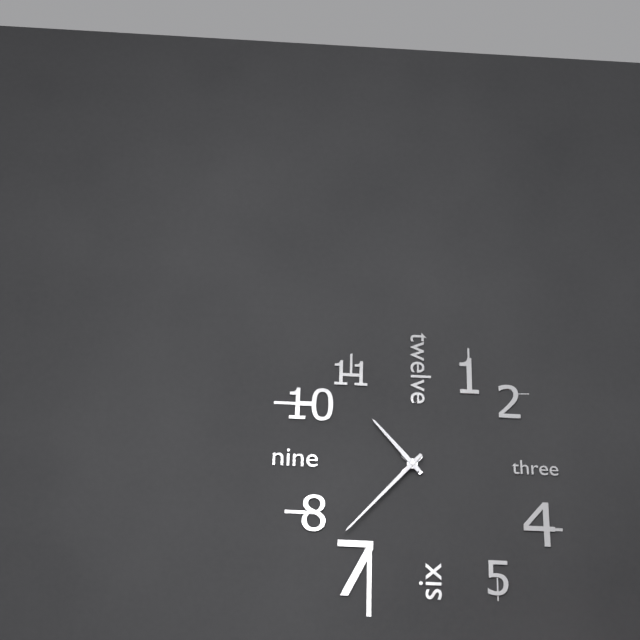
10.37
